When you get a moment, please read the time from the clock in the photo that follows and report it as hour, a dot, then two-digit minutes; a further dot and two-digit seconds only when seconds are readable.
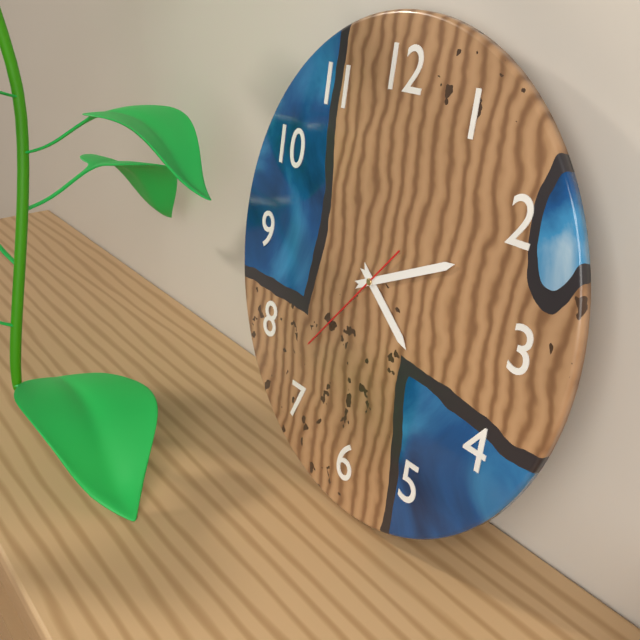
4.11.37
